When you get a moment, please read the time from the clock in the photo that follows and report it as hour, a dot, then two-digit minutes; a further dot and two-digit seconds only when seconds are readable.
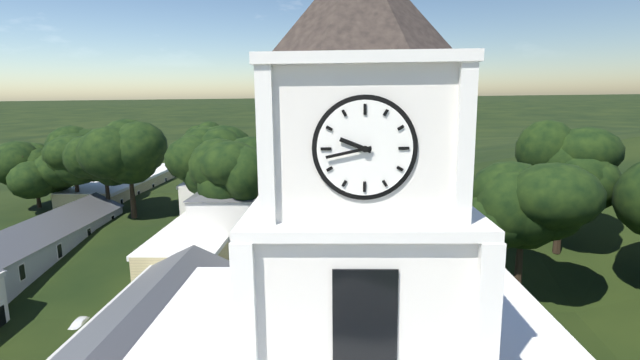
9.43
